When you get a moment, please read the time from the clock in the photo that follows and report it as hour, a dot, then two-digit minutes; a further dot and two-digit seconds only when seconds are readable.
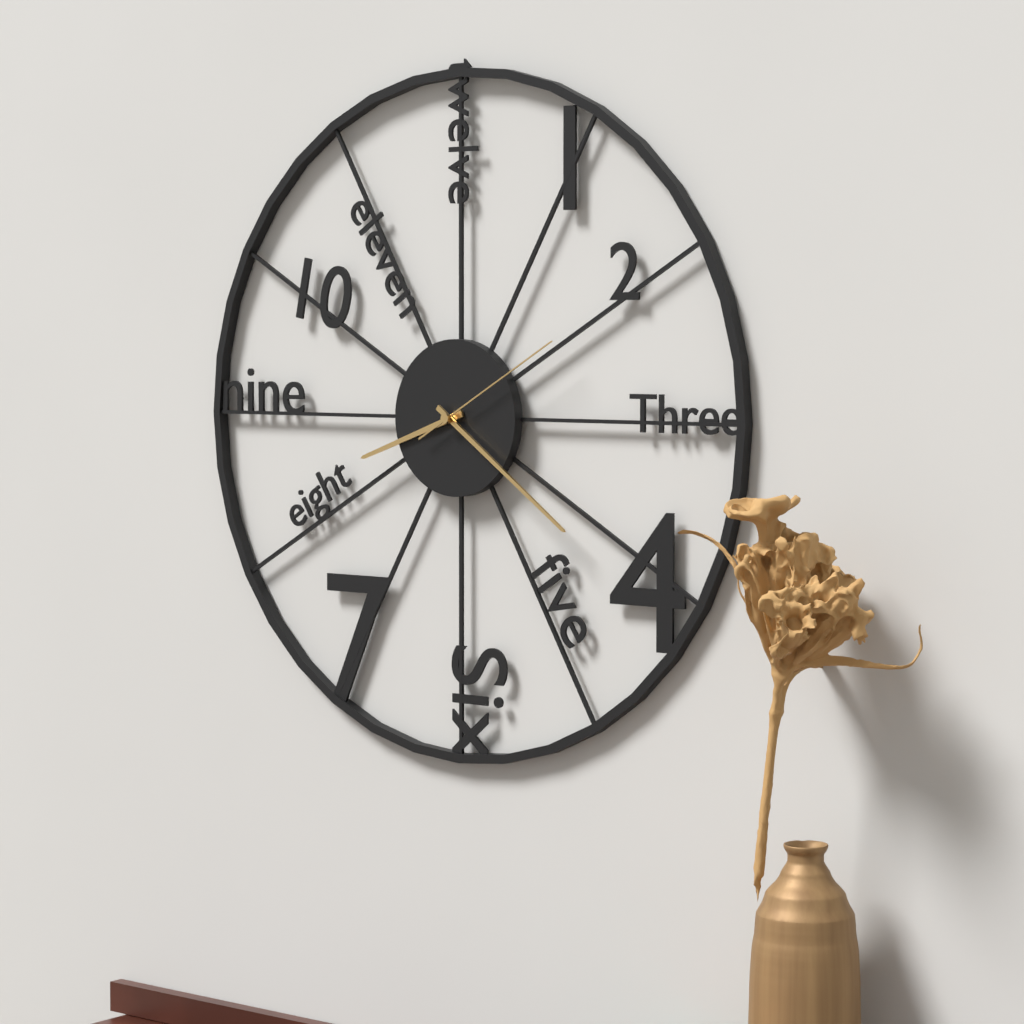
8.21.10
